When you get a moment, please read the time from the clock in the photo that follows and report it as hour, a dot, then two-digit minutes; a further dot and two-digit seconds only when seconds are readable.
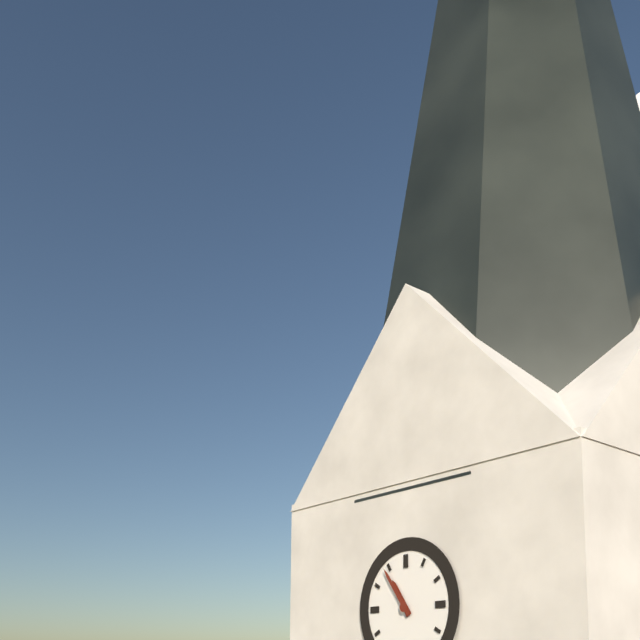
10.54
